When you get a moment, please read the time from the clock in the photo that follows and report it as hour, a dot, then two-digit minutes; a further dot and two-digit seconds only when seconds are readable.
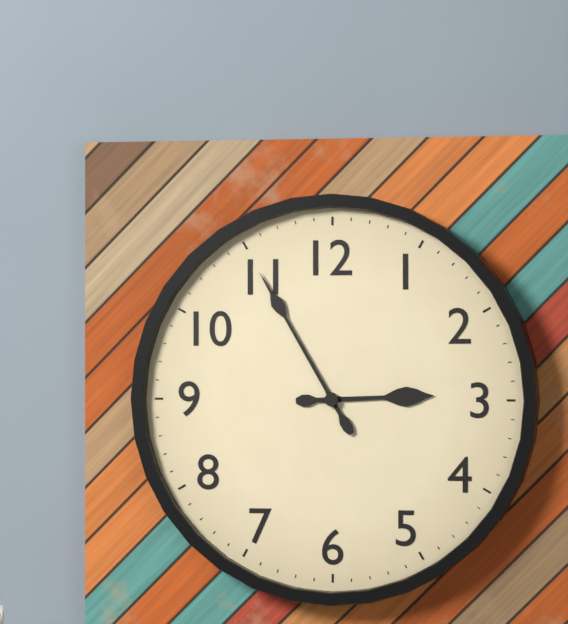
2.55
